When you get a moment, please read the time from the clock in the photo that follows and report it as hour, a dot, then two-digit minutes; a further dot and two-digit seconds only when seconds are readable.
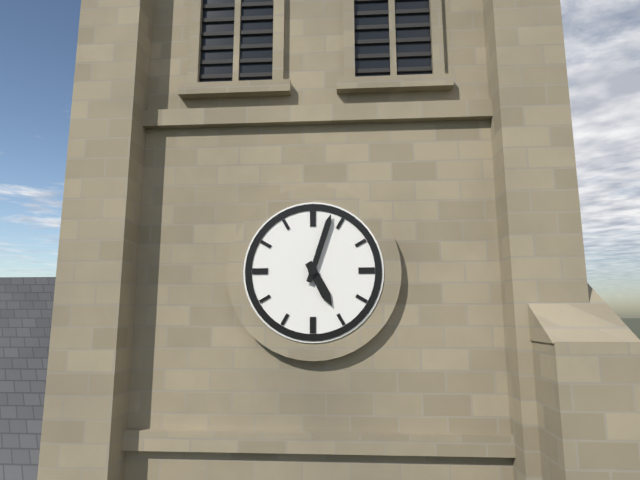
5.03
